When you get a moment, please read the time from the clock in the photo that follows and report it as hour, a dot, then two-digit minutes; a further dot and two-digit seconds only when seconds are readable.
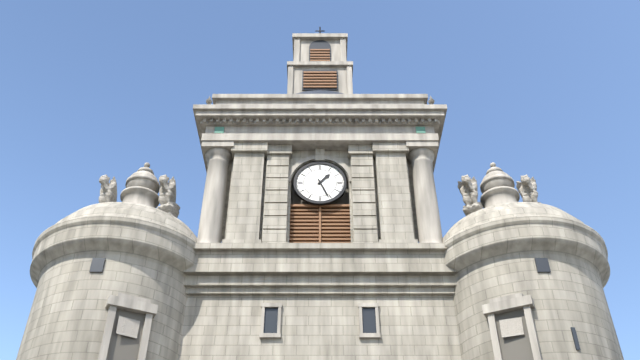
1.26
